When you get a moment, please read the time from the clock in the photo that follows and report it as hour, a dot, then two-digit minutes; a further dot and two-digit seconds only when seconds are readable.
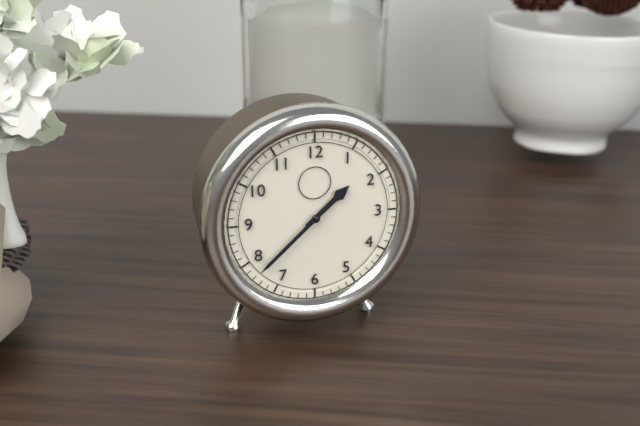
1.38
